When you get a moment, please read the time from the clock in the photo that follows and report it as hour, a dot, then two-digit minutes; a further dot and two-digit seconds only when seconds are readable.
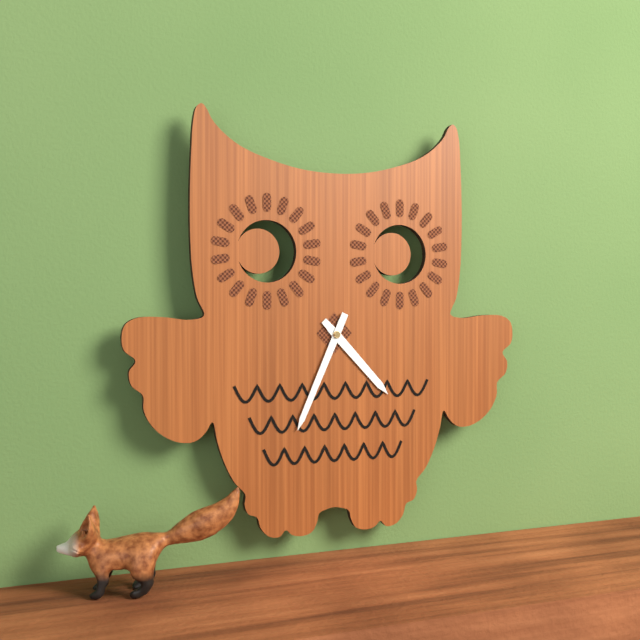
4.34
